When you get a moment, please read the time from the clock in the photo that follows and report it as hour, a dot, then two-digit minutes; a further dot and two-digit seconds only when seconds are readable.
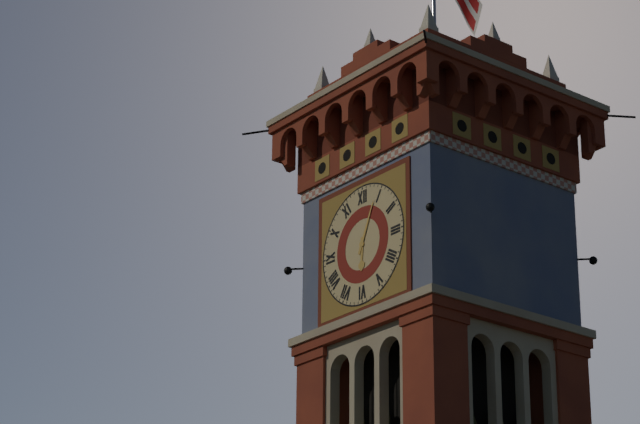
6.04
